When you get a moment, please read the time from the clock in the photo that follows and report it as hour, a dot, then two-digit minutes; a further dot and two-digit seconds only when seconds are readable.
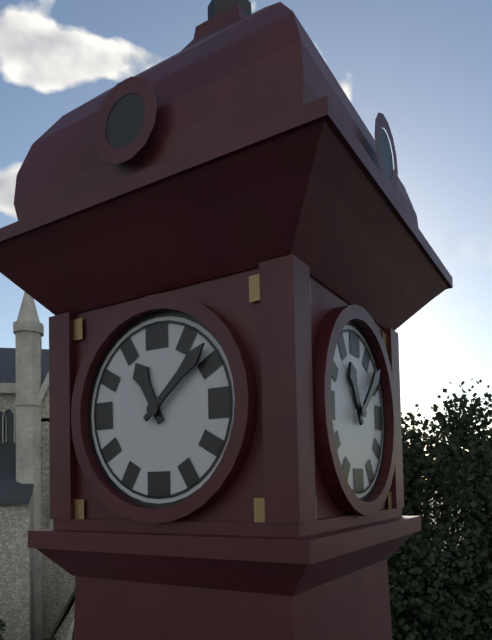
11.08
